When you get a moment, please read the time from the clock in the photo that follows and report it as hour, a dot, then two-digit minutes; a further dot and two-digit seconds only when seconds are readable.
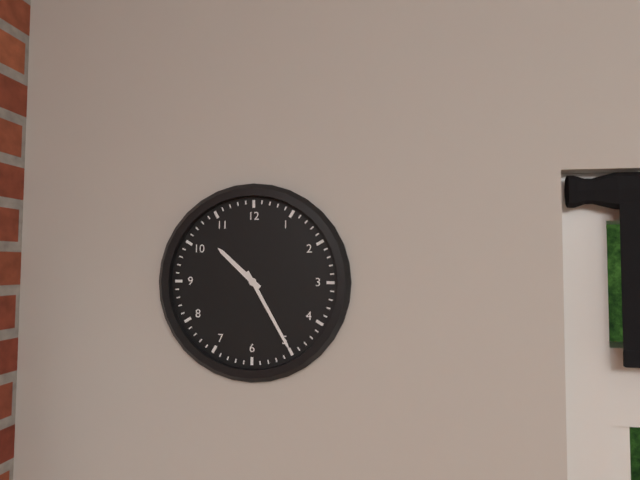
10.25
